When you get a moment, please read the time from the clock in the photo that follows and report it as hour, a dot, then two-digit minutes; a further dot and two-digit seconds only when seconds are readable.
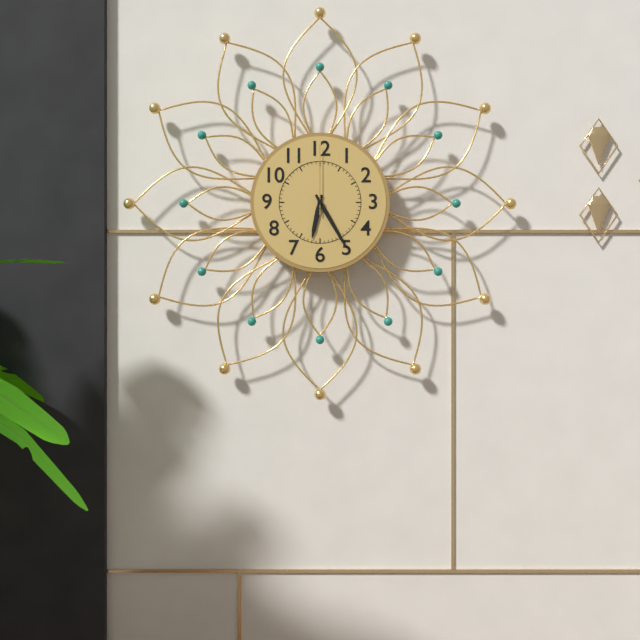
6.25.00
